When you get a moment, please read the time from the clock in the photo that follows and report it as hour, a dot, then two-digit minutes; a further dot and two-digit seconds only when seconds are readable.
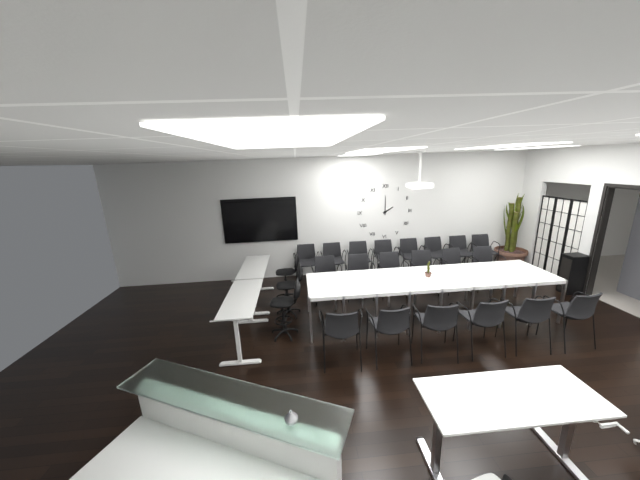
2.00
